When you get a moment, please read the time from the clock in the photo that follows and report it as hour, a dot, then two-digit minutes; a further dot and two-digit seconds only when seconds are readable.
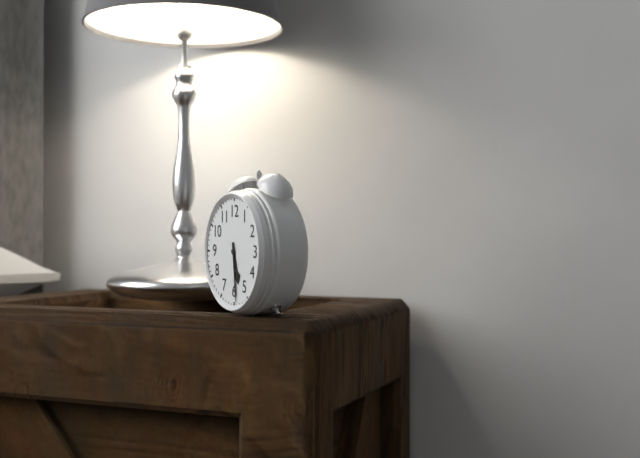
5.29
